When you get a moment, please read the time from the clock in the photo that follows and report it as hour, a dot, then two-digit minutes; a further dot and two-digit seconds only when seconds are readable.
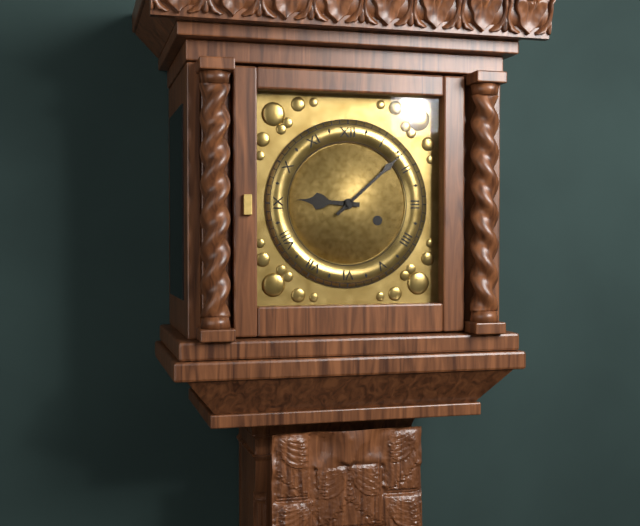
9.08
